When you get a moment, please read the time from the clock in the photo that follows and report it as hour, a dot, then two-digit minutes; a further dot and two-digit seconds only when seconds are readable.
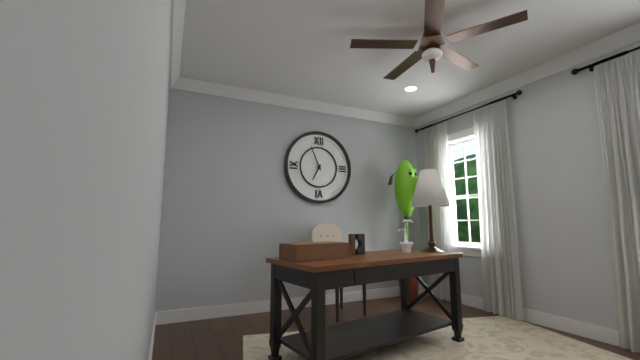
6.56
